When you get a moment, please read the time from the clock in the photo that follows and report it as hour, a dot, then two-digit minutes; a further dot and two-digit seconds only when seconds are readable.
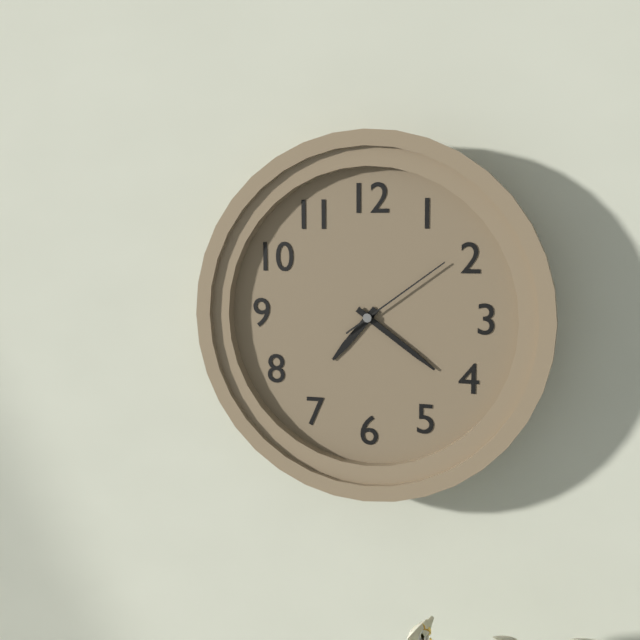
7.21.09
